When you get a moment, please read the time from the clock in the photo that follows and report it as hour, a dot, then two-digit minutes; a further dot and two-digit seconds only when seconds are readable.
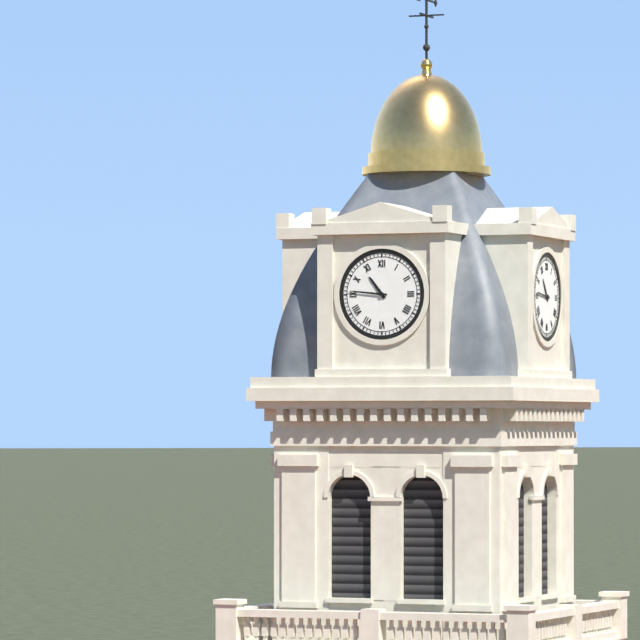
10.46
